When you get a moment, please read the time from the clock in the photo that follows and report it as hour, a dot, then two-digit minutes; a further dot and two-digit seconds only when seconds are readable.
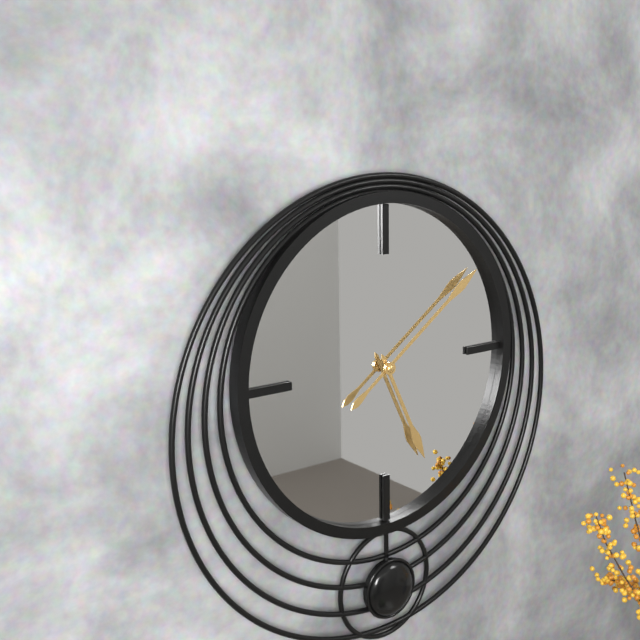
5.09
